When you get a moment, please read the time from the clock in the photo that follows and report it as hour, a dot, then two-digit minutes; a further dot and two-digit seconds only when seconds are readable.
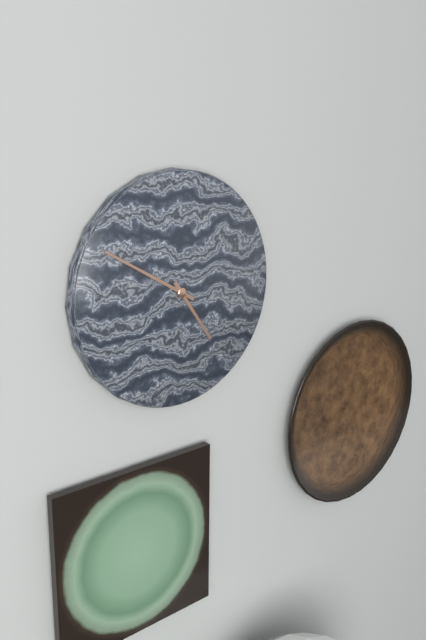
4.50
